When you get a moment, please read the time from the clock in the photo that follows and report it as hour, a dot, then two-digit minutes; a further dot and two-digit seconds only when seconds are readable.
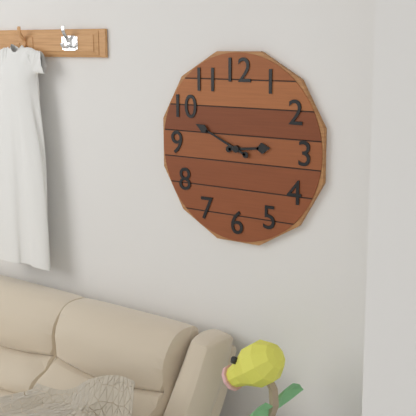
2.49
